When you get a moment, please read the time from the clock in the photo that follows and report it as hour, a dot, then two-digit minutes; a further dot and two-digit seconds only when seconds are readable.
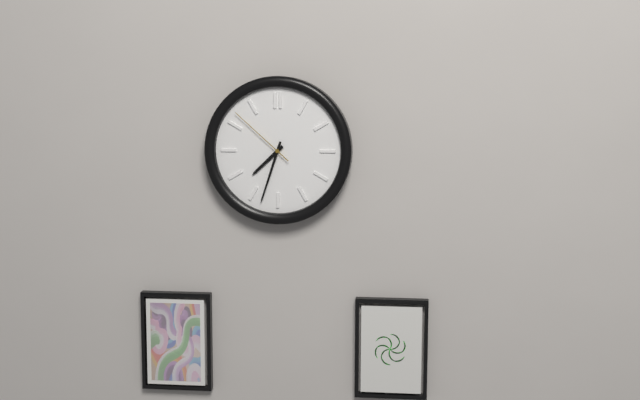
7.33.52
